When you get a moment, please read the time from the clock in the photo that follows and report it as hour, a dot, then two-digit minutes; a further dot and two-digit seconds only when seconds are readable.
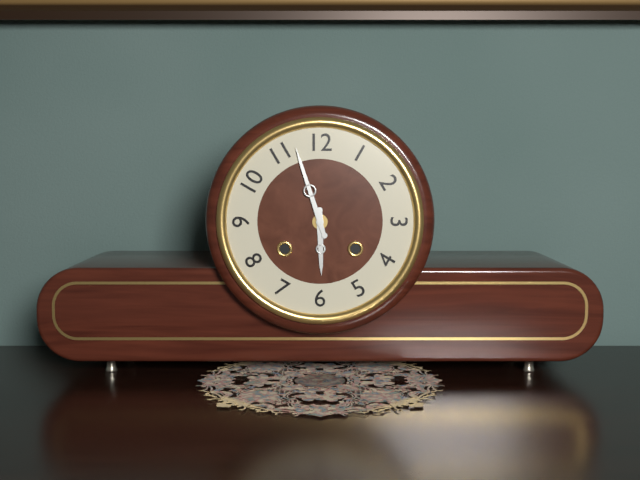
5.57
